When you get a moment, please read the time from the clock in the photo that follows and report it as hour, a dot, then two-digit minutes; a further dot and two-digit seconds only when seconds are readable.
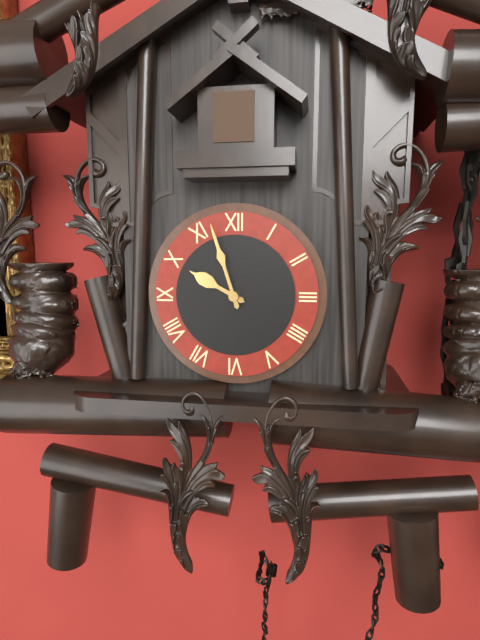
9.57
